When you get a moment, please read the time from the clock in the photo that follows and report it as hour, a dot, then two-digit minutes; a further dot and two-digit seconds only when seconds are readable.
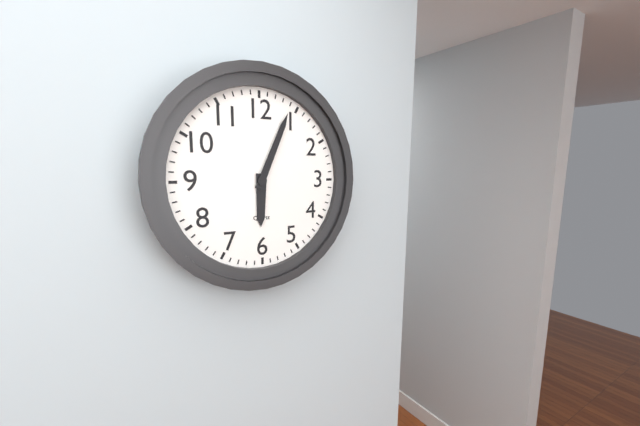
6.04
